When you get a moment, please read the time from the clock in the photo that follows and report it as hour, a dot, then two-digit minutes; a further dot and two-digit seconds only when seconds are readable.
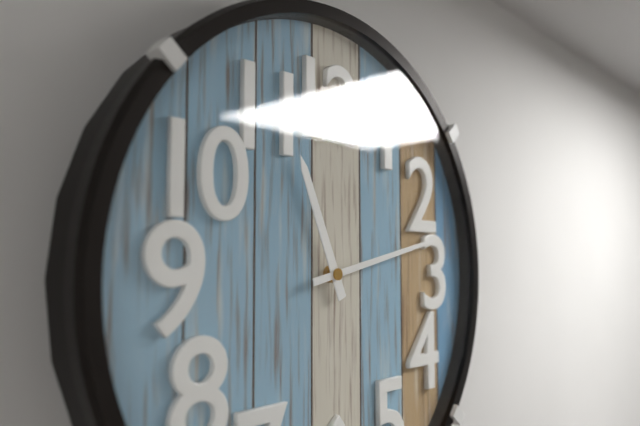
11.13
